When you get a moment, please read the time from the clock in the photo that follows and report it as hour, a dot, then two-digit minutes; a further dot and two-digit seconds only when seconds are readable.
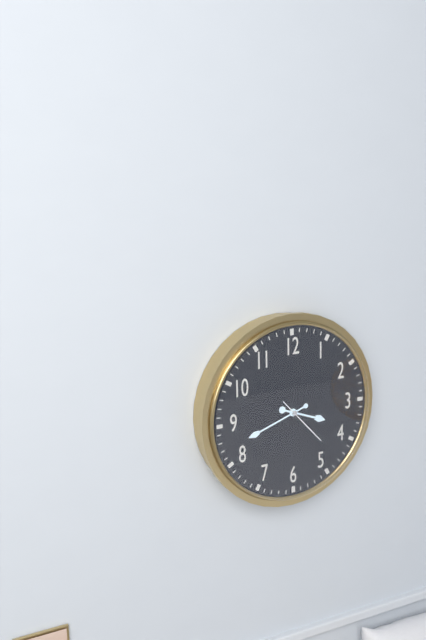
3.42.23
